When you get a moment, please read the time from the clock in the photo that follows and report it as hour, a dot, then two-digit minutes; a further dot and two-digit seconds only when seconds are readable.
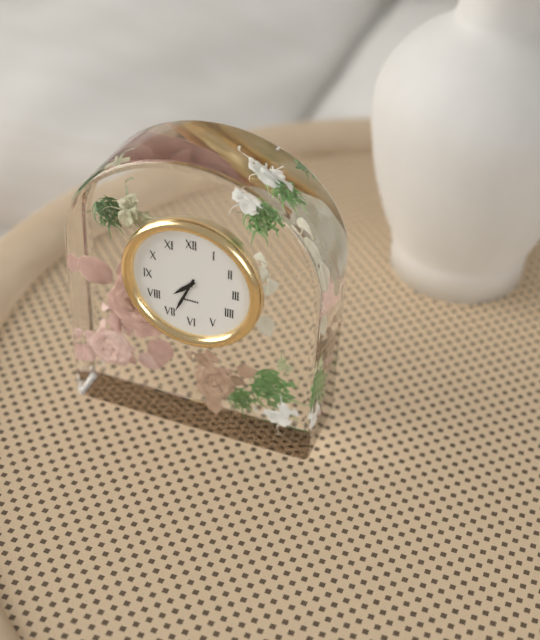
7.34
